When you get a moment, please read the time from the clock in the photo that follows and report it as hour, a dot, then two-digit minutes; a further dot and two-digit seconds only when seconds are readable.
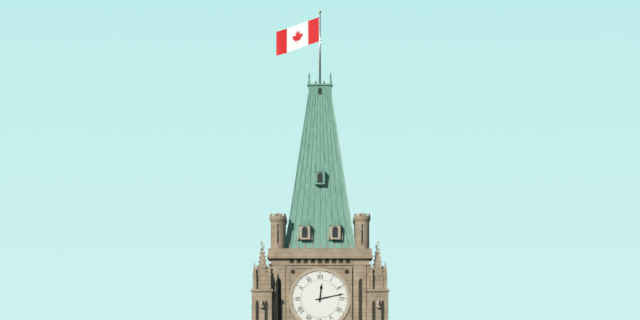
12.13
